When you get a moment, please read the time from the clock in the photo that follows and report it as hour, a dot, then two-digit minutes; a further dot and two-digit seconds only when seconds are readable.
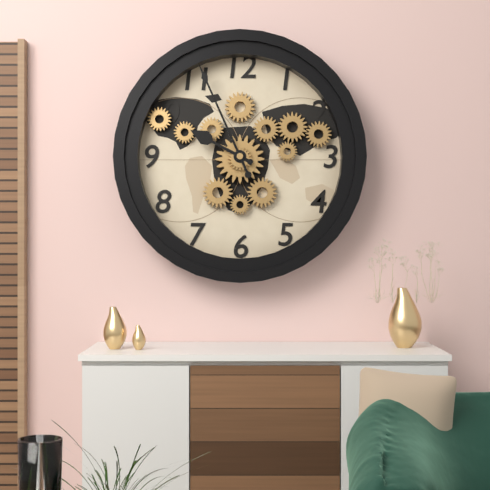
9.56
